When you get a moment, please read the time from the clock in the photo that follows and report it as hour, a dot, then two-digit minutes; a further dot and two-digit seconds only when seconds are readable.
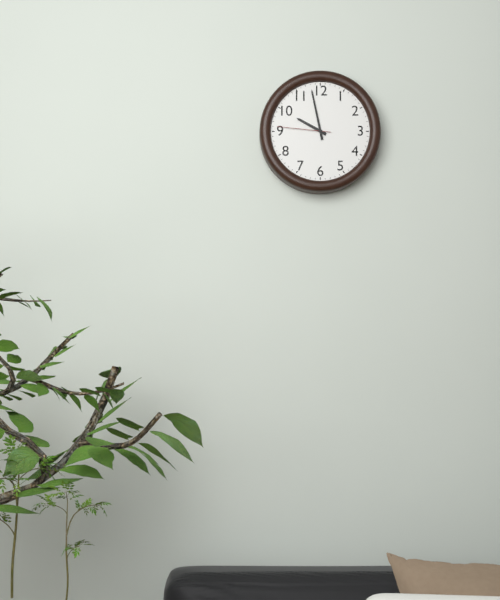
9.58.46
